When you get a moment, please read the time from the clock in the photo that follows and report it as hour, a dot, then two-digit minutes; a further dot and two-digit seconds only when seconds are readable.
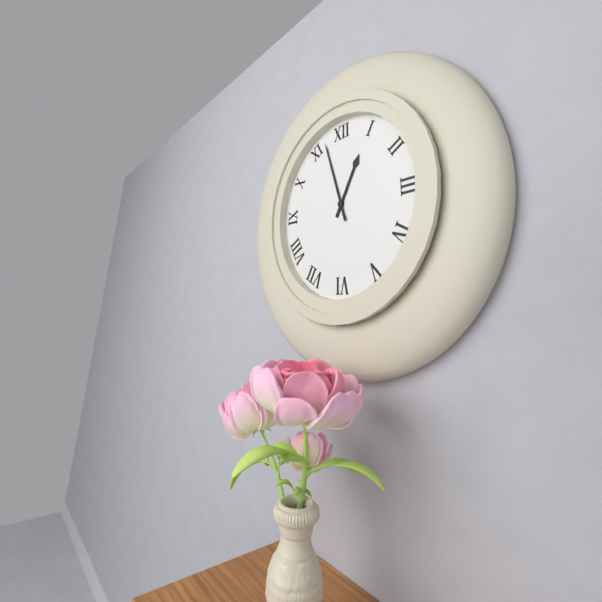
12.57
